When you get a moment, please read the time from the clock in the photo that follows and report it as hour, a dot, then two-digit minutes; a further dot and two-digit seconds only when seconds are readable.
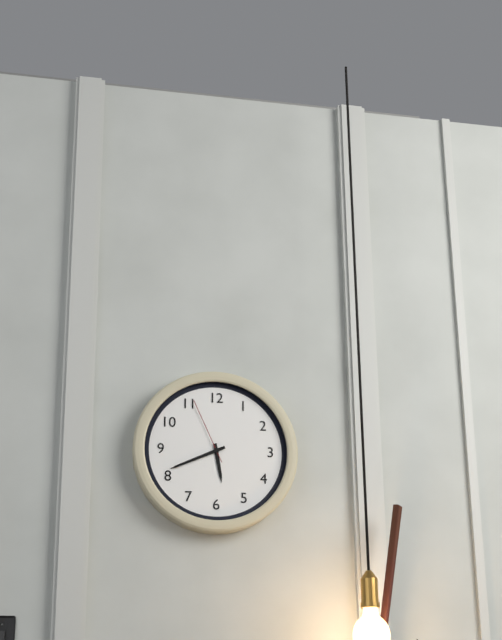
5.41.56
